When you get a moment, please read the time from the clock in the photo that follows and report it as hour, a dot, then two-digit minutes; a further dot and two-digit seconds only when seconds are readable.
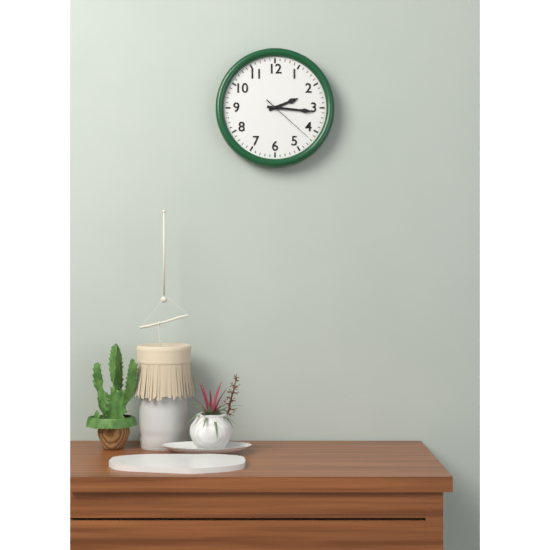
2.16.22
